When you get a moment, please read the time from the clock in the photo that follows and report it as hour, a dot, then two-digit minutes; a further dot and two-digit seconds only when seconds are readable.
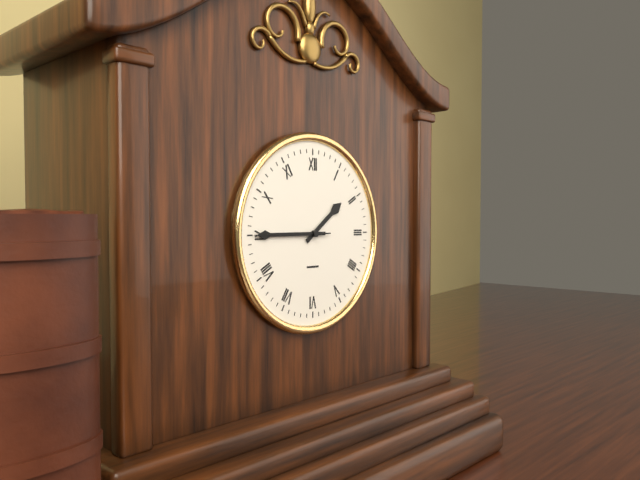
1.45.45
